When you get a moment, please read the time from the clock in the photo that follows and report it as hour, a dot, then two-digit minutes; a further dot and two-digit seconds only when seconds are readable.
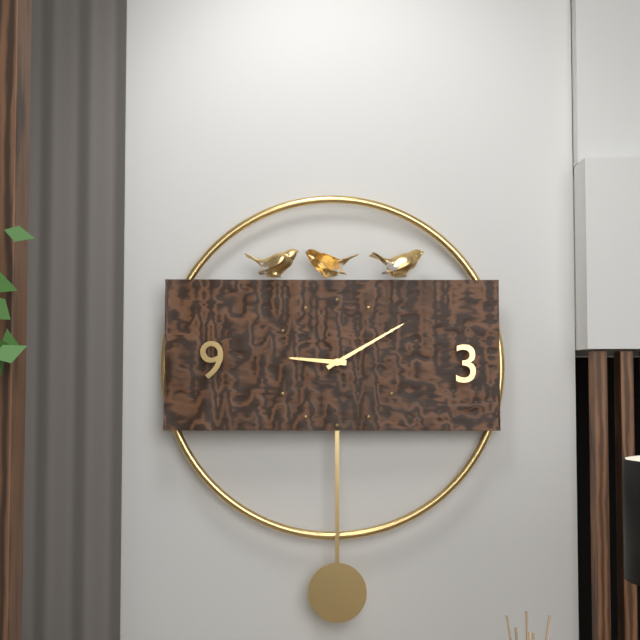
9.10
